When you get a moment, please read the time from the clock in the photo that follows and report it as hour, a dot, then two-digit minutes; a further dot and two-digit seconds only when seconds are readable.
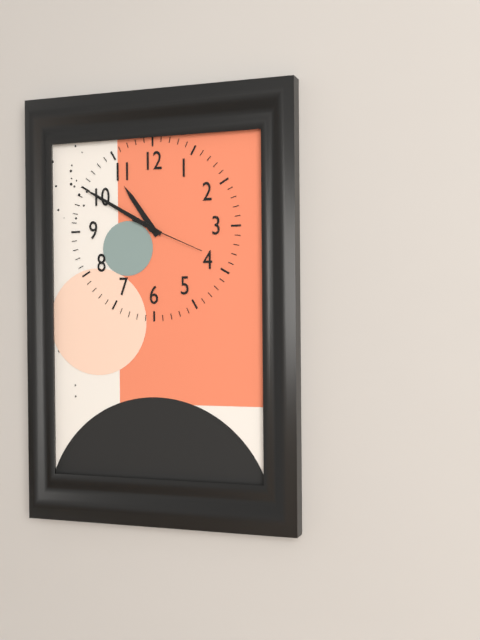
10.50.19
